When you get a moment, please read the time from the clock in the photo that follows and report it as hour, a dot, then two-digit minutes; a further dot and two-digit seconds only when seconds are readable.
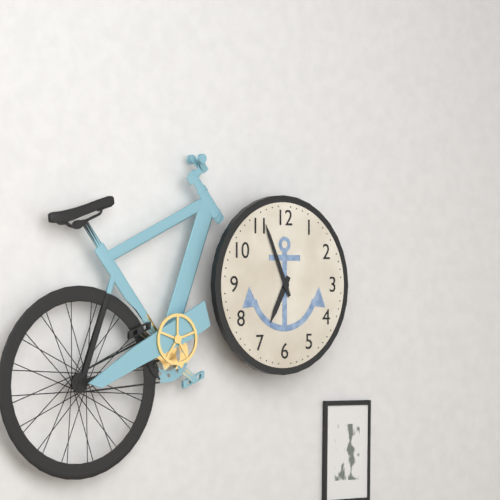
6.56
